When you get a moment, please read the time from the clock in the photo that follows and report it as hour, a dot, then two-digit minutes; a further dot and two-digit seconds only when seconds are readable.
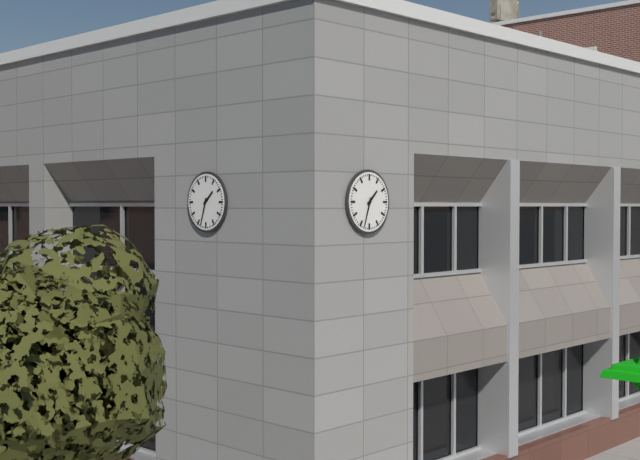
1.33
